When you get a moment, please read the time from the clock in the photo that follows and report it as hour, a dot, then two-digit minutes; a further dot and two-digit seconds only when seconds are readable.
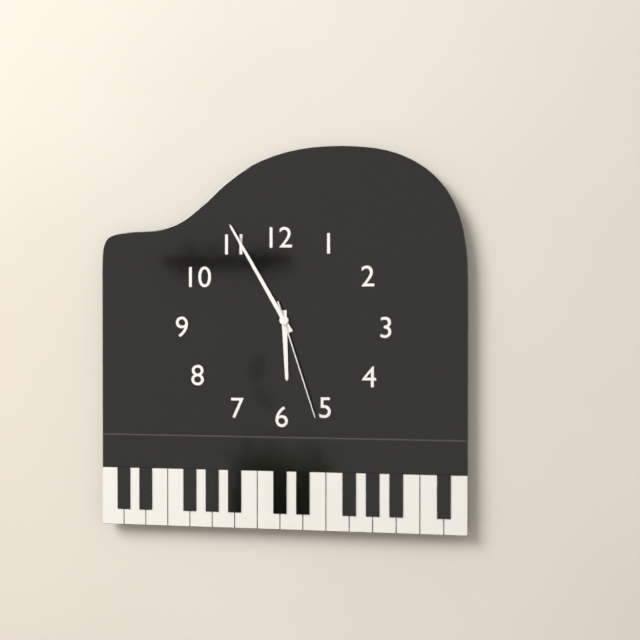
5.55.27
